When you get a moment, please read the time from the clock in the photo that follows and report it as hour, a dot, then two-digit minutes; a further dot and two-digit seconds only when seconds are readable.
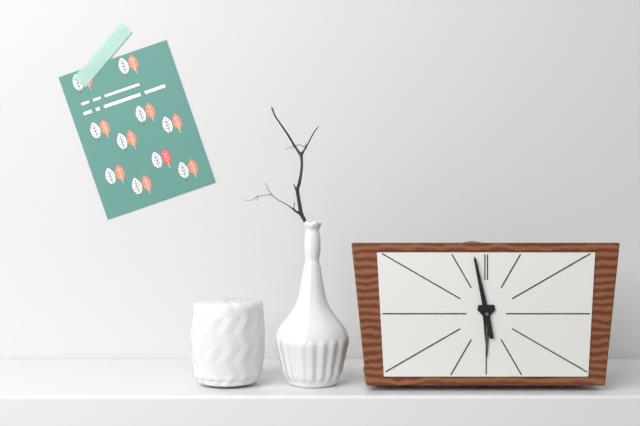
5.58
